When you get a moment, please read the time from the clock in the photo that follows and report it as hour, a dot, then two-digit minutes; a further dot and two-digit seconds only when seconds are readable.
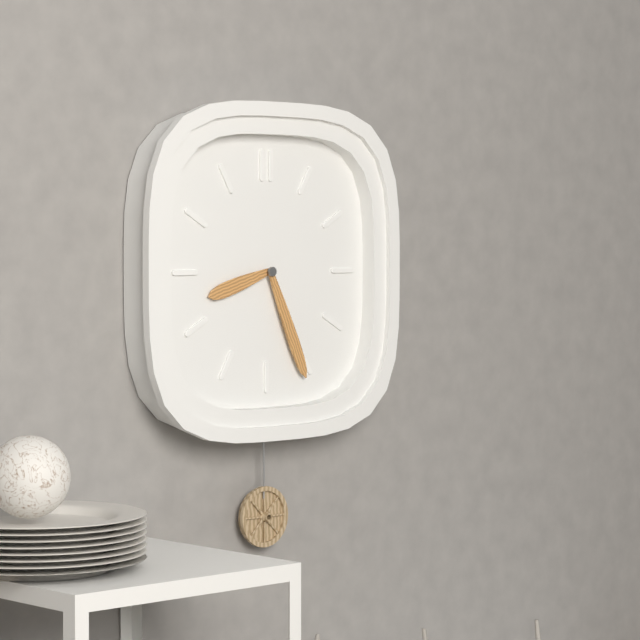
8.26
